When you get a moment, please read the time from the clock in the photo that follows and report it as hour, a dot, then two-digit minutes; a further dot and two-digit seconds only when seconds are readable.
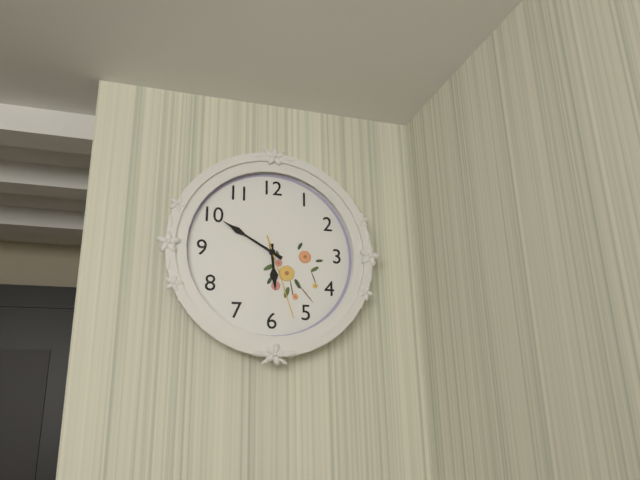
5.50.27
